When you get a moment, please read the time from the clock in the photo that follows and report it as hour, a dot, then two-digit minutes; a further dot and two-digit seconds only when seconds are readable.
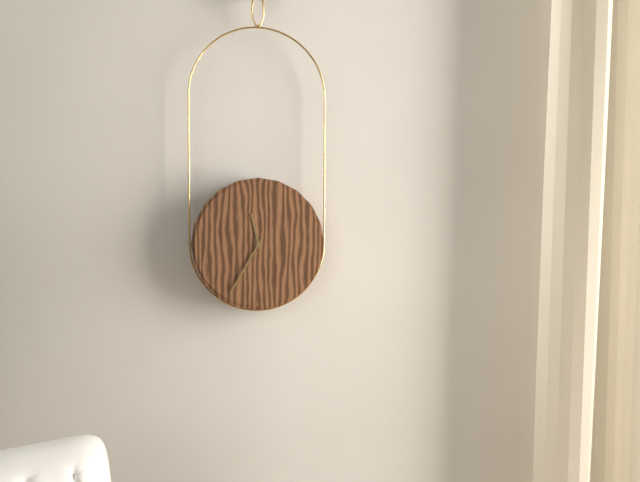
11.35
